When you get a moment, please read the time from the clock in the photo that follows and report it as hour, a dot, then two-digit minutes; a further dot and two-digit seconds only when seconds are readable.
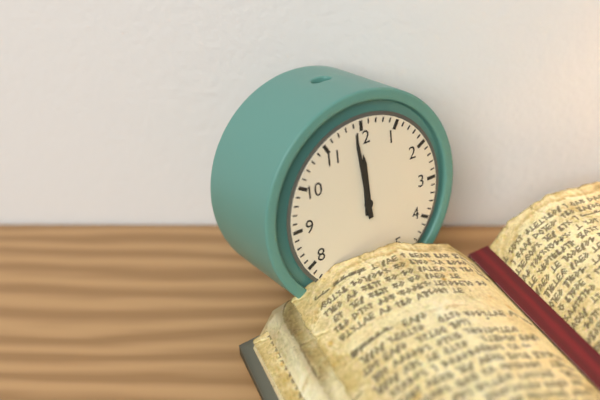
11.59
